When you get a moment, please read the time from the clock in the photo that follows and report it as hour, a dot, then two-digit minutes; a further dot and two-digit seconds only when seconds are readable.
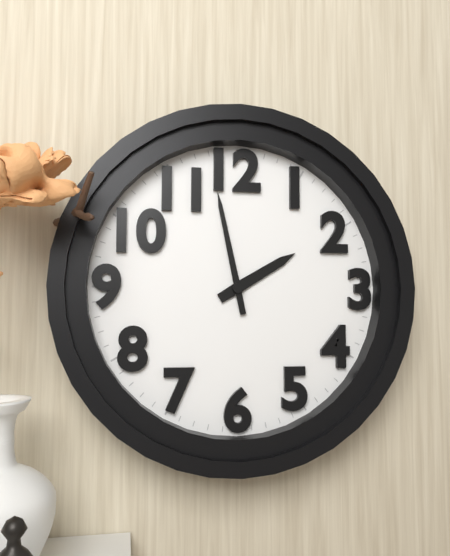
1.58
